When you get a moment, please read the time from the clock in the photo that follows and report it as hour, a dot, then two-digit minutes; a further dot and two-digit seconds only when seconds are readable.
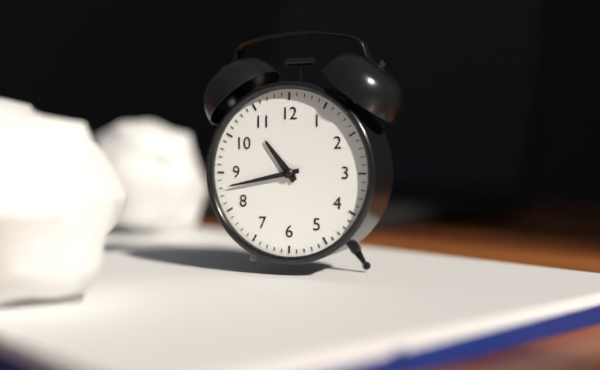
10.43
